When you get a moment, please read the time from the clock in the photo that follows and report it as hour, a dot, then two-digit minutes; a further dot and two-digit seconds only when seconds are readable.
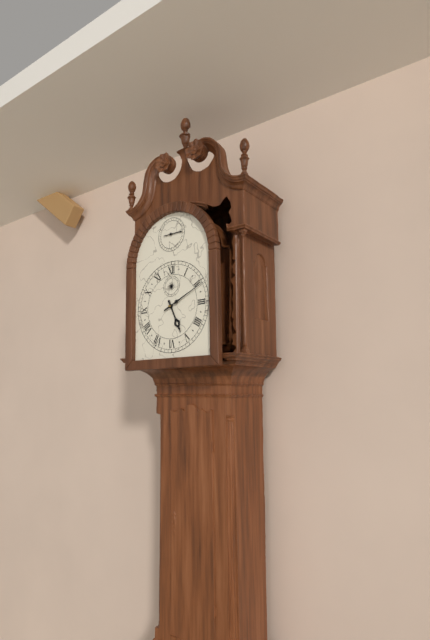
5.11
